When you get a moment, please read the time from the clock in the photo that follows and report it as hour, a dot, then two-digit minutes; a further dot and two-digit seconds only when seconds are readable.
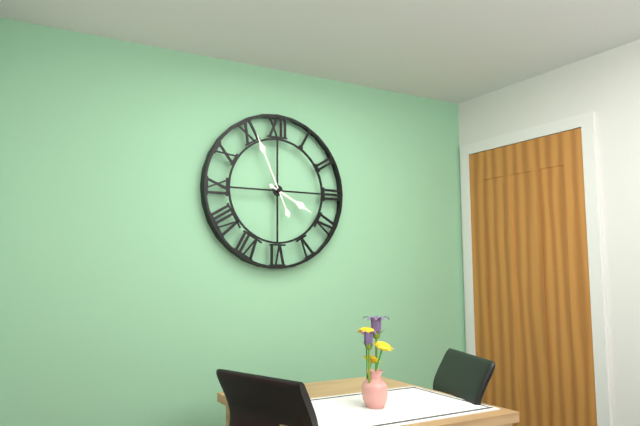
3.56
